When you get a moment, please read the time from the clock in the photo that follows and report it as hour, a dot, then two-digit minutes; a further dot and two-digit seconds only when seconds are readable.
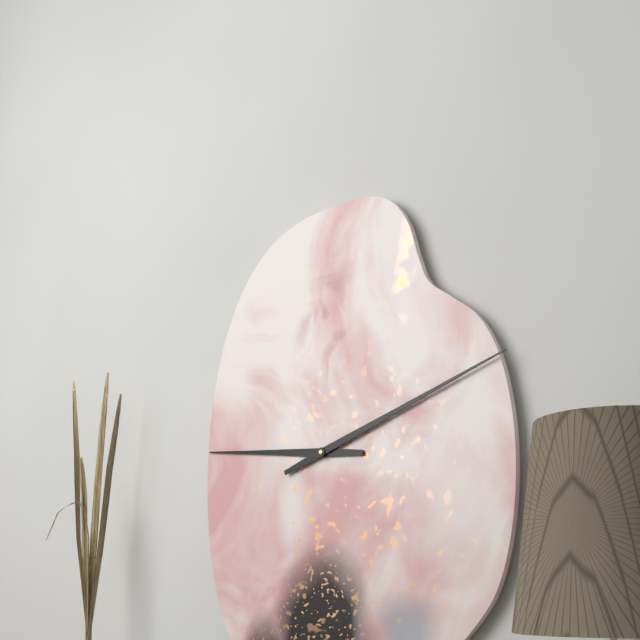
9.12
